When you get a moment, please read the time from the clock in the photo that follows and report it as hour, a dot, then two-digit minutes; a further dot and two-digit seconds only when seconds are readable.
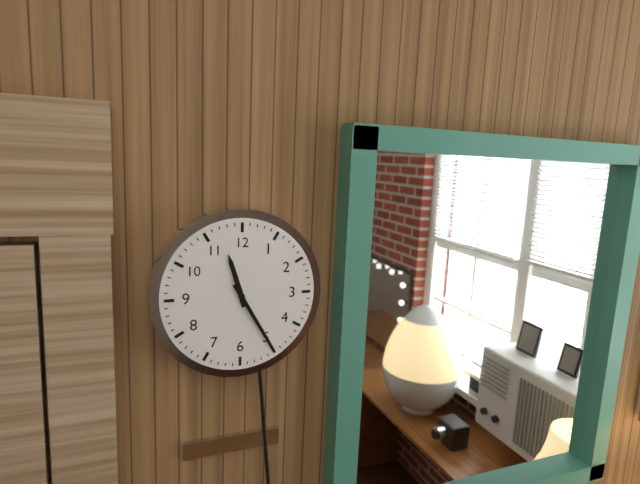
11.25
